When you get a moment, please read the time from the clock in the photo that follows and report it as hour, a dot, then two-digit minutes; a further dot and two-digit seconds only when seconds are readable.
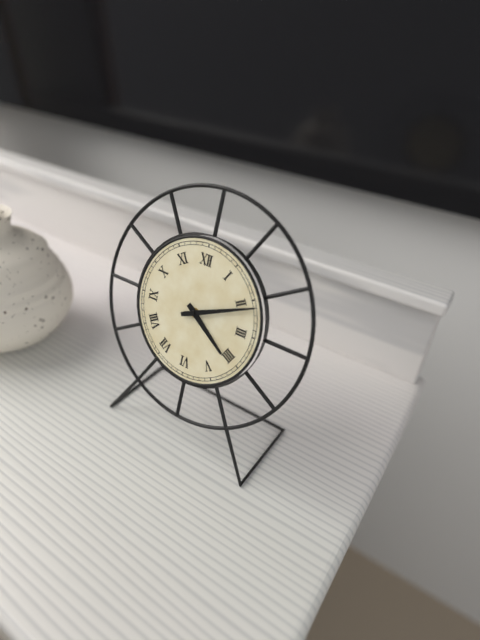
4.11
